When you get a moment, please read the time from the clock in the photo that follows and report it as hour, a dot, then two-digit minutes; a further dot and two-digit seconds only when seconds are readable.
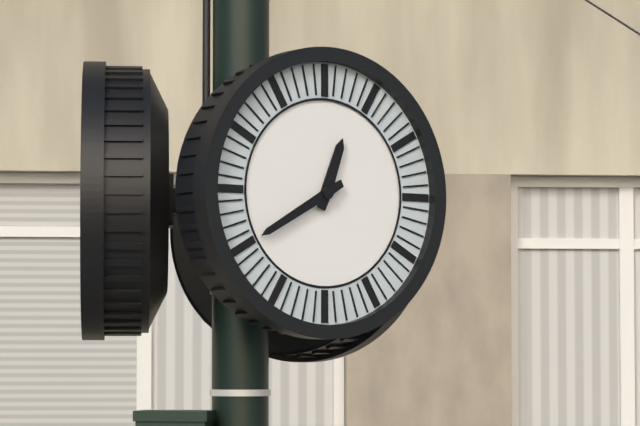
12.40
